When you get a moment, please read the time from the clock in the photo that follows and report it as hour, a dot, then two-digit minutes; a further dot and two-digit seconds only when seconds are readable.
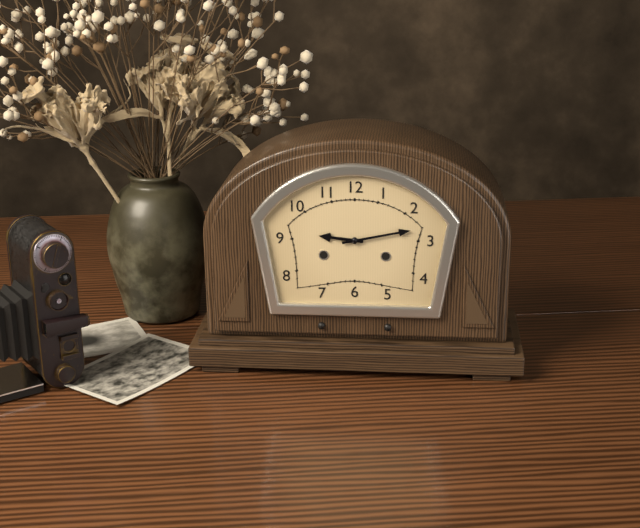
9.13
